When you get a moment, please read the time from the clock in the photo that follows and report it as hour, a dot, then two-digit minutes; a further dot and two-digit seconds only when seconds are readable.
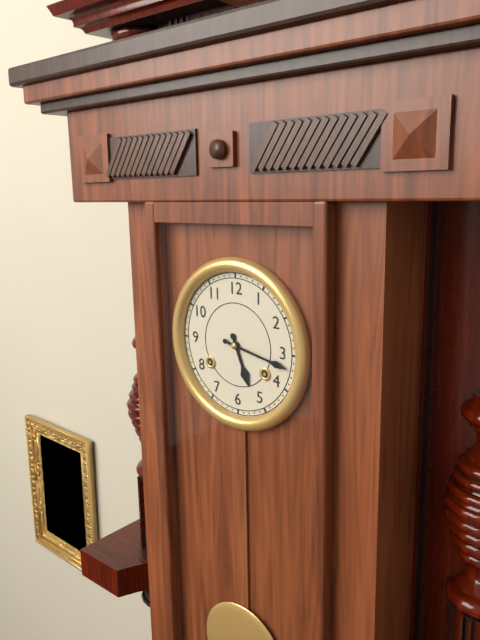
5.17
